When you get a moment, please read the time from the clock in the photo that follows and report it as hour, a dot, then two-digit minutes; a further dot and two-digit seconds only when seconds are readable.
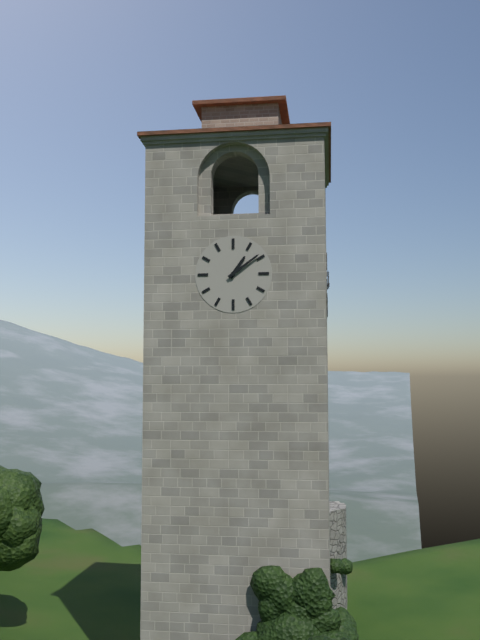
1.09
